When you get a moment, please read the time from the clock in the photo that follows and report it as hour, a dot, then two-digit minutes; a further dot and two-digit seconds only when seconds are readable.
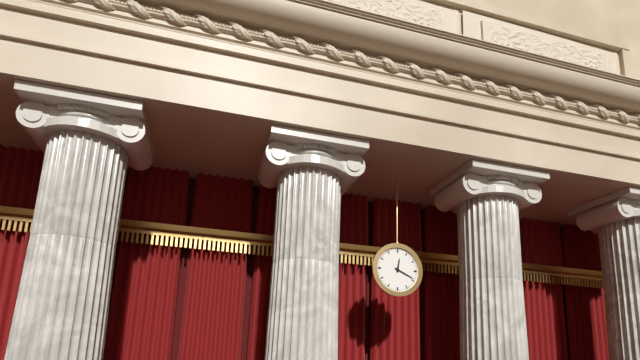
12.19
